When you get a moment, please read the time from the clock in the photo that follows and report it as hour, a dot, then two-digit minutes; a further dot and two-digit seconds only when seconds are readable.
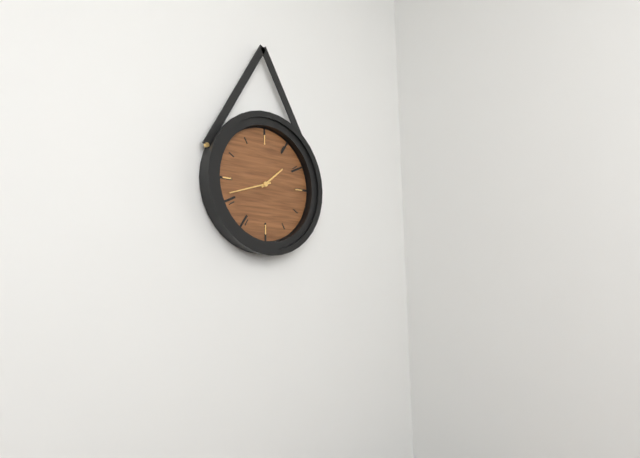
1.42
